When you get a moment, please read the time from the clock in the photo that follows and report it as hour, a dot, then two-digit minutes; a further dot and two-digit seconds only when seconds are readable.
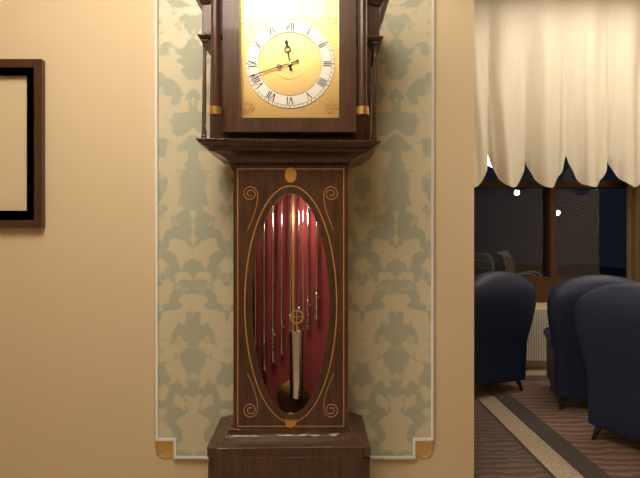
11.42
